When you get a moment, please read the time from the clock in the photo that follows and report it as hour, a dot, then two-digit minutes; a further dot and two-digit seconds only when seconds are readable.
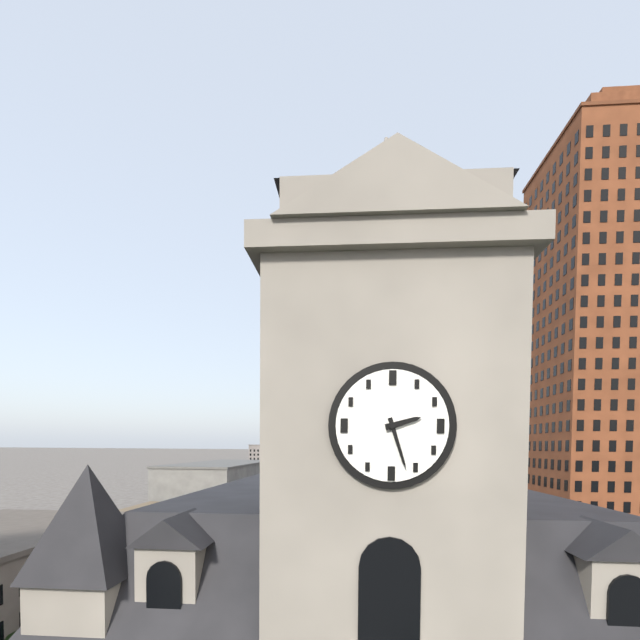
2.27
